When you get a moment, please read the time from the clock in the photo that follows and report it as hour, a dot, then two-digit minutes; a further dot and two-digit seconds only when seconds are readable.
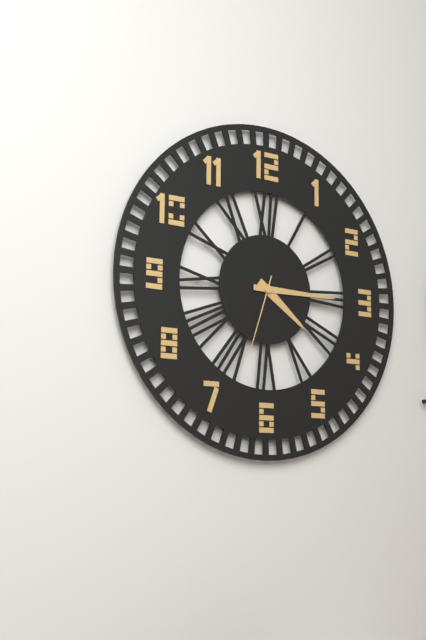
4.15.33
